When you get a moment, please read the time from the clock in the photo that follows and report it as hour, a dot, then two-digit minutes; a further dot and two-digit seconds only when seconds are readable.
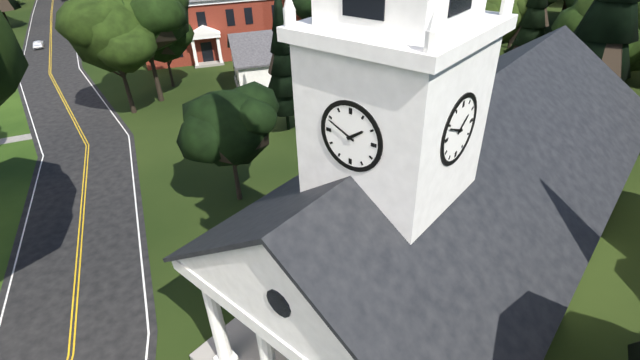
1.49
